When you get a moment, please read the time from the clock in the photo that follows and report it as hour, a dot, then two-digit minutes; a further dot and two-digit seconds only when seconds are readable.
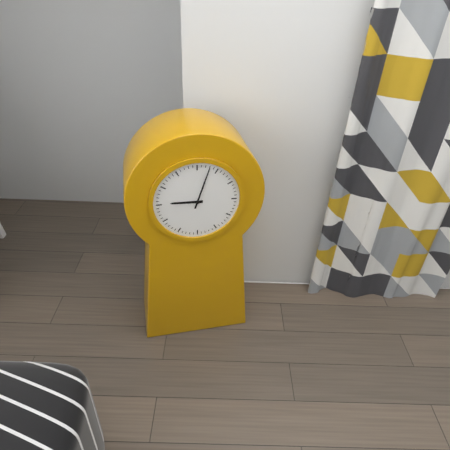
9.03
